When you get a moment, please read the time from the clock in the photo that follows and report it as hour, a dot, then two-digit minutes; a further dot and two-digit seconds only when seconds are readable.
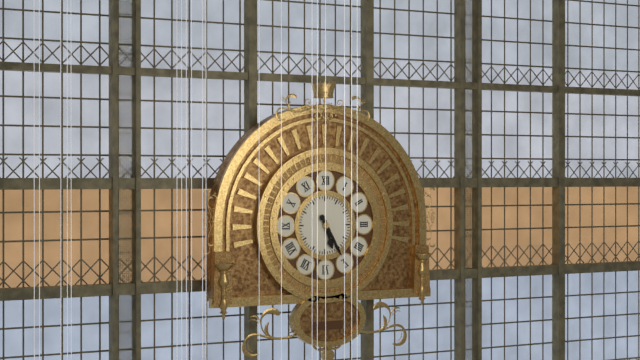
5.25
